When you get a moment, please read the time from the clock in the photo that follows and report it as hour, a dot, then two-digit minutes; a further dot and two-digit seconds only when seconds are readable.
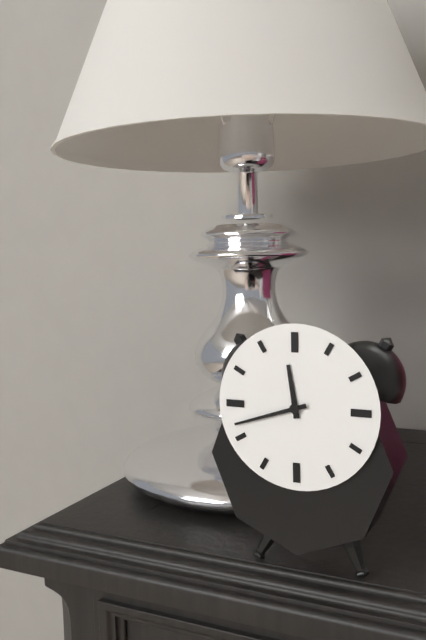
11.42
